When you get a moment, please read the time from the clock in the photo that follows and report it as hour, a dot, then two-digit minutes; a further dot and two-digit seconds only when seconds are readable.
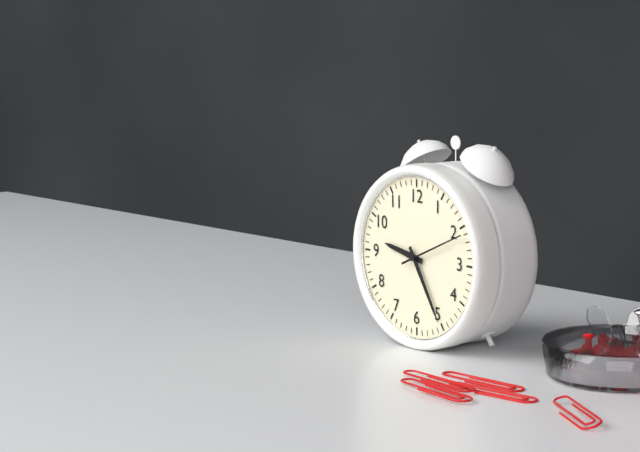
9.25.11
